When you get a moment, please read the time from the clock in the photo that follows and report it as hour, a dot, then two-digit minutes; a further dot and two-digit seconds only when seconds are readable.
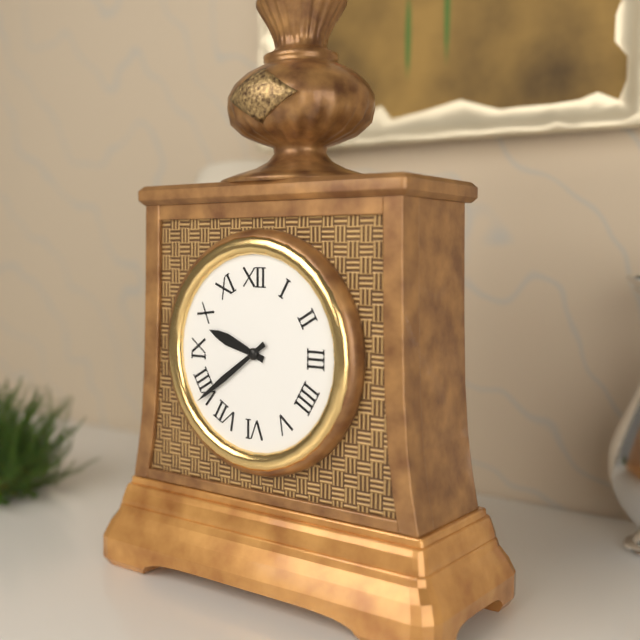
9.39
